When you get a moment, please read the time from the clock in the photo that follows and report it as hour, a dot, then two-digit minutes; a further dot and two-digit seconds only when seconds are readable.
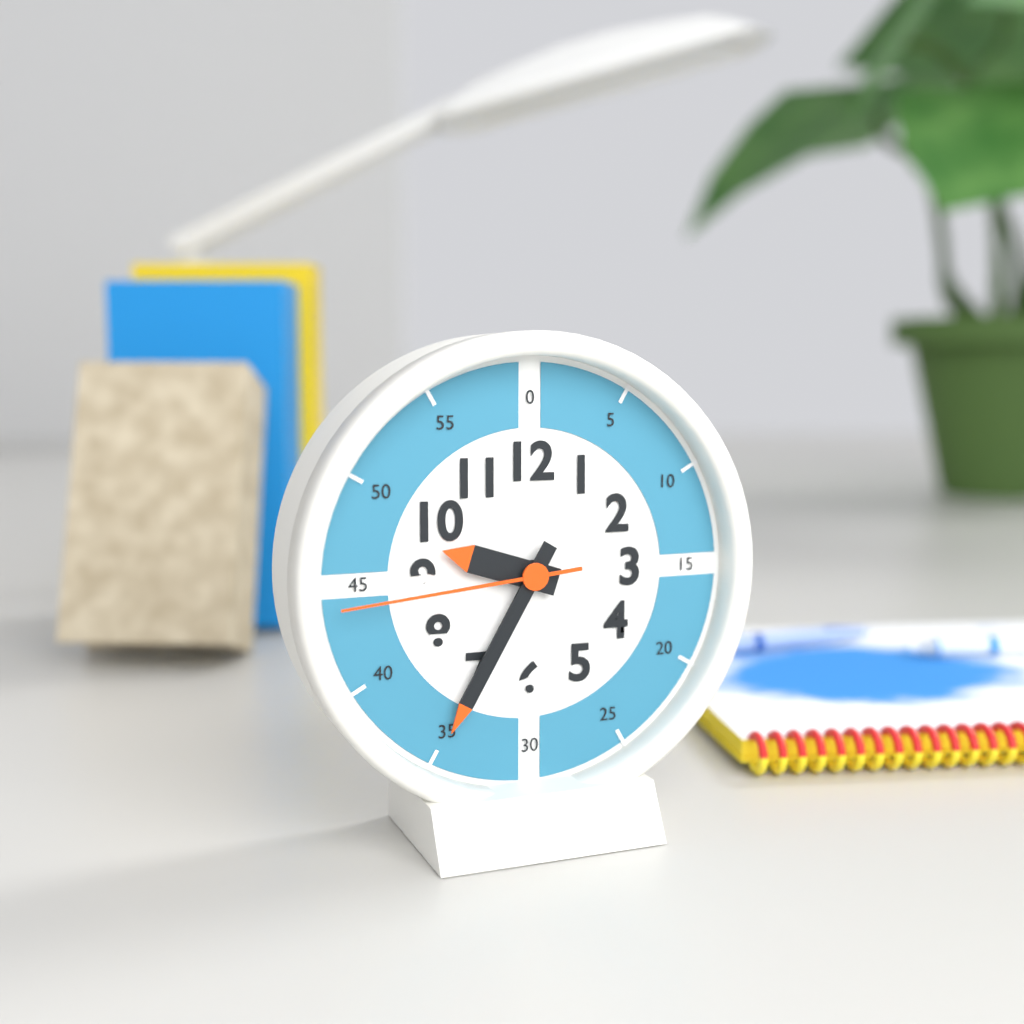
9.35.44
